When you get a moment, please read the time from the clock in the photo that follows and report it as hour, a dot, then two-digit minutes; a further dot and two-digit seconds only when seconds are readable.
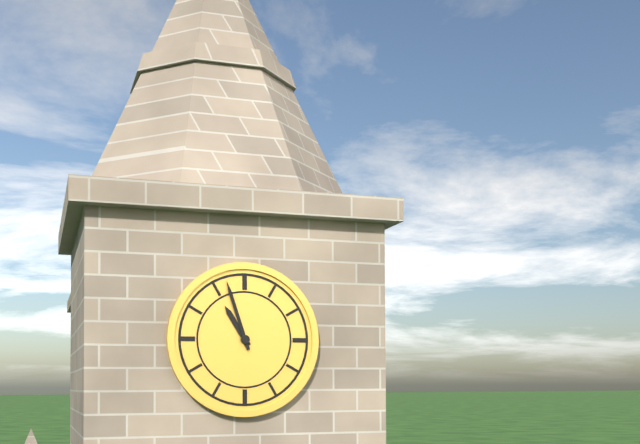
10.57
